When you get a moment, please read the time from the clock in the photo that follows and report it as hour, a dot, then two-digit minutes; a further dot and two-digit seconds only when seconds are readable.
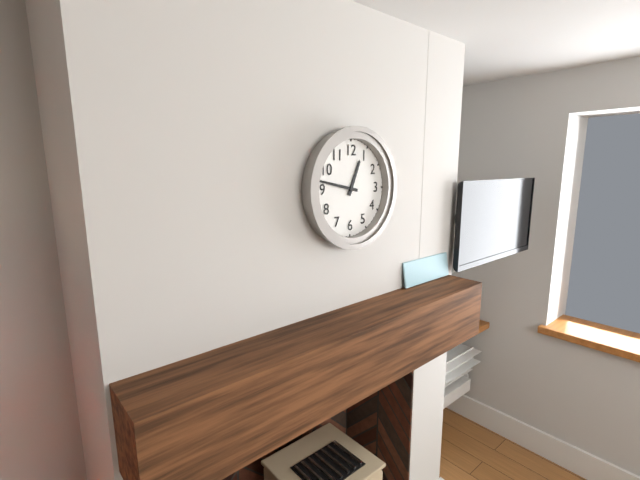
12.47
